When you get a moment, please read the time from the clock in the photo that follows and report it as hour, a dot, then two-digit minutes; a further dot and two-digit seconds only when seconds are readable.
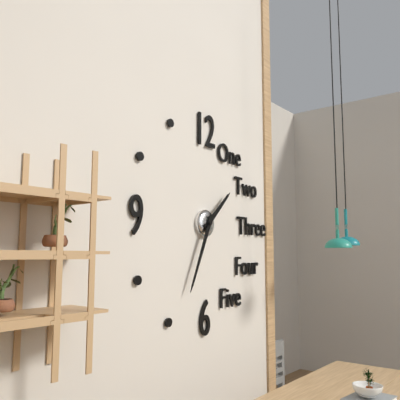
1.34
